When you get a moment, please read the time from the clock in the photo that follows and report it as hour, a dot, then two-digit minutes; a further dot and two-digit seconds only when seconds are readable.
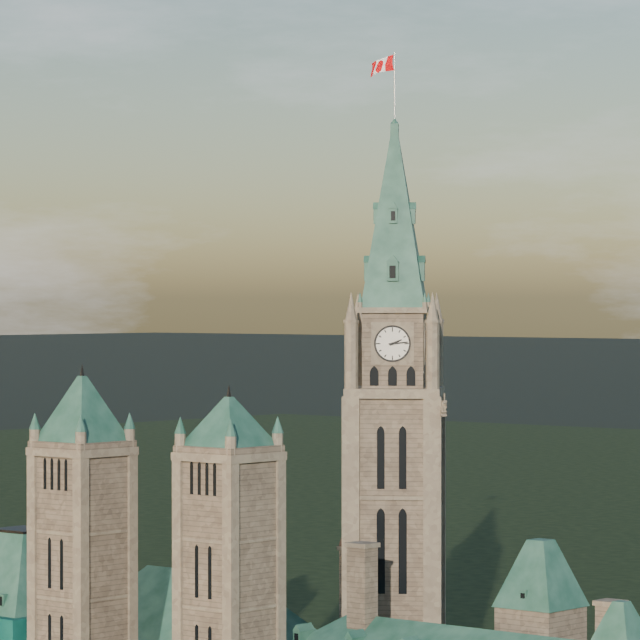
2.14
